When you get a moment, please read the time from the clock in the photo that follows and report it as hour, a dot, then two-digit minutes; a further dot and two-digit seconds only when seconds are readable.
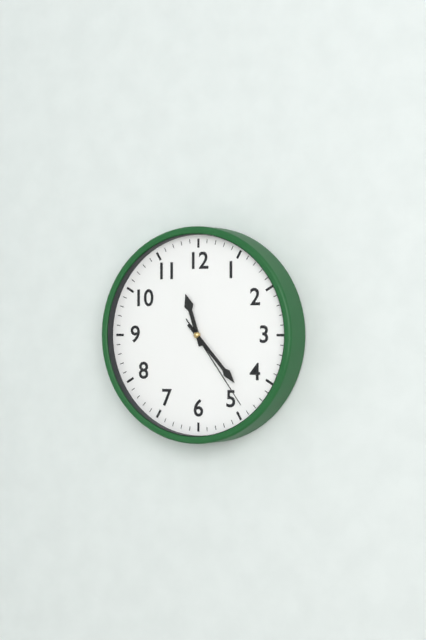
11.23.24
